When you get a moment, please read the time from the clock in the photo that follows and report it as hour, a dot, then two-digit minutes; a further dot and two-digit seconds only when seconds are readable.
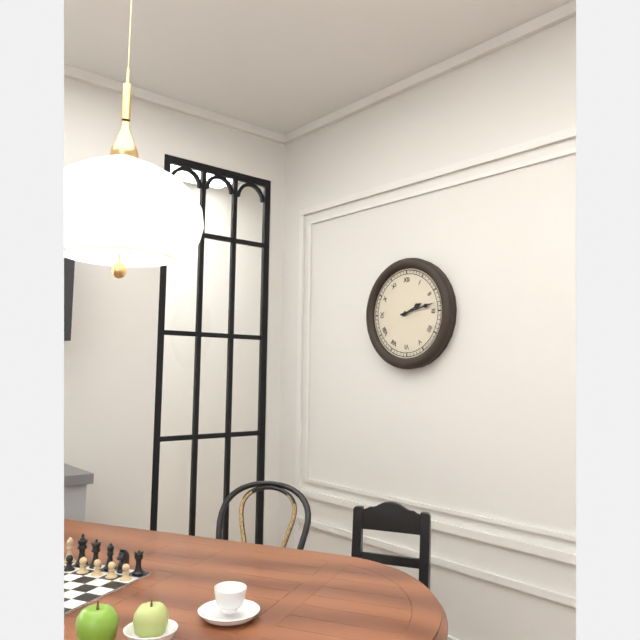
2.13
